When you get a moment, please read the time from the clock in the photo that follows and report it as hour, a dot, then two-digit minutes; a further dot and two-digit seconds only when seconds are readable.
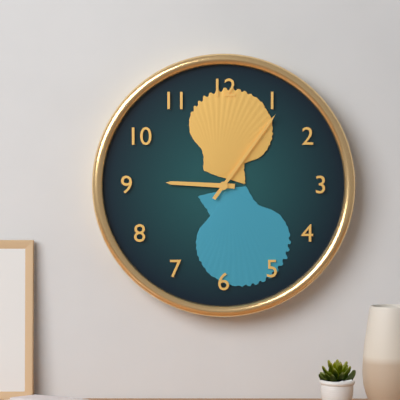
9.06
